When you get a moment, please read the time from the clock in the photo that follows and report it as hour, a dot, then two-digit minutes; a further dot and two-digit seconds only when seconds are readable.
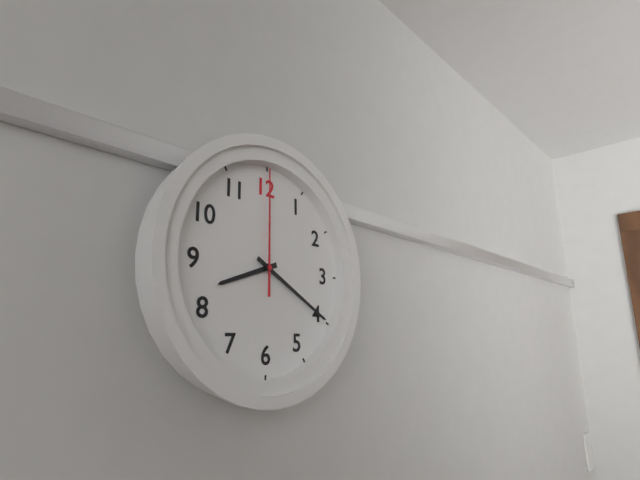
8.20.00
